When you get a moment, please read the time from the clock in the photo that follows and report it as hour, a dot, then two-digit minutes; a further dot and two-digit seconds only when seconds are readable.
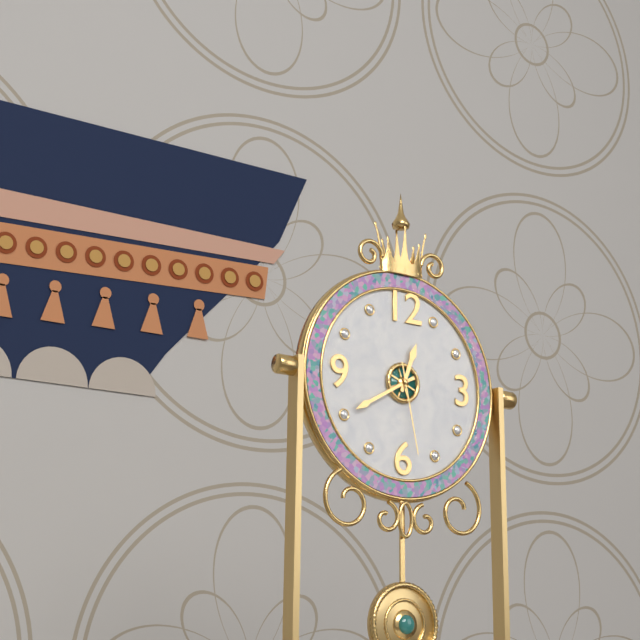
12.40.28
